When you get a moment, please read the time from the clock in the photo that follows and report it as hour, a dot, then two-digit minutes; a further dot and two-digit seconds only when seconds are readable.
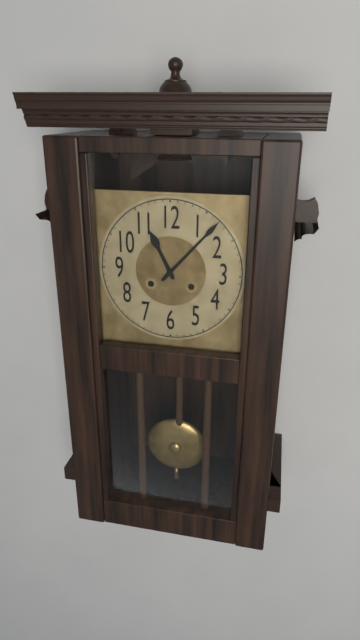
11.07
